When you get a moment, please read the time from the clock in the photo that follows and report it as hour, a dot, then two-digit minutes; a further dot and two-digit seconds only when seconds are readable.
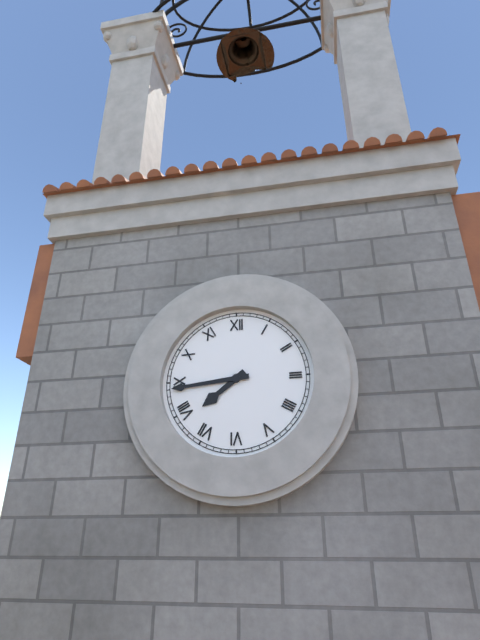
7.44
